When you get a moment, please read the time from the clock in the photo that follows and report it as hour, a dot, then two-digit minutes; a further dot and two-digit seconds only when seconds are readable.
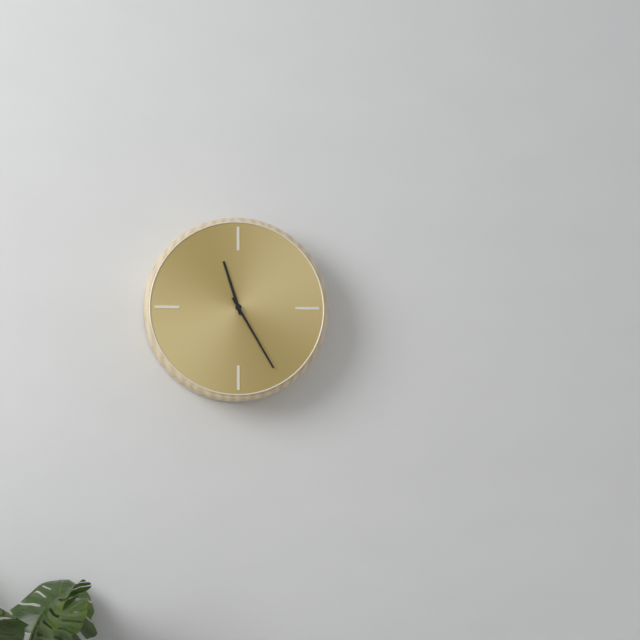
11.25
